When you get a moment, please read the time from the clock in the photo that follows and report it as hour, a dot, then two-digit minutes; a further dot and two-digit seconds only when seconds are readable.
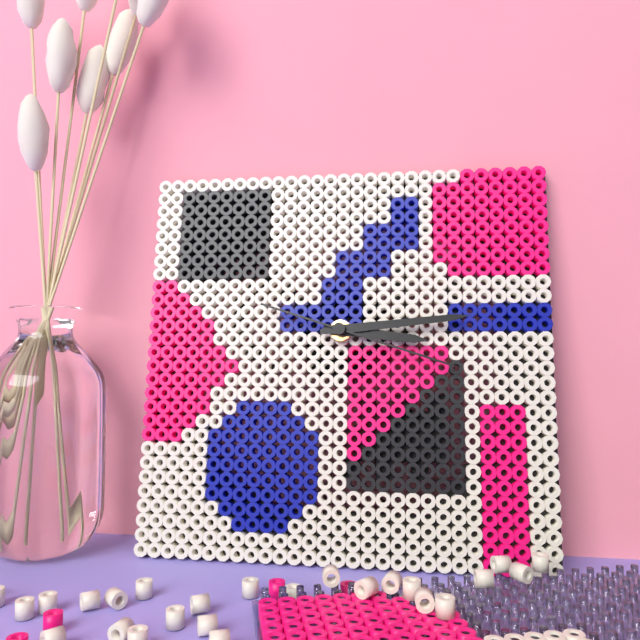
3.14.18
